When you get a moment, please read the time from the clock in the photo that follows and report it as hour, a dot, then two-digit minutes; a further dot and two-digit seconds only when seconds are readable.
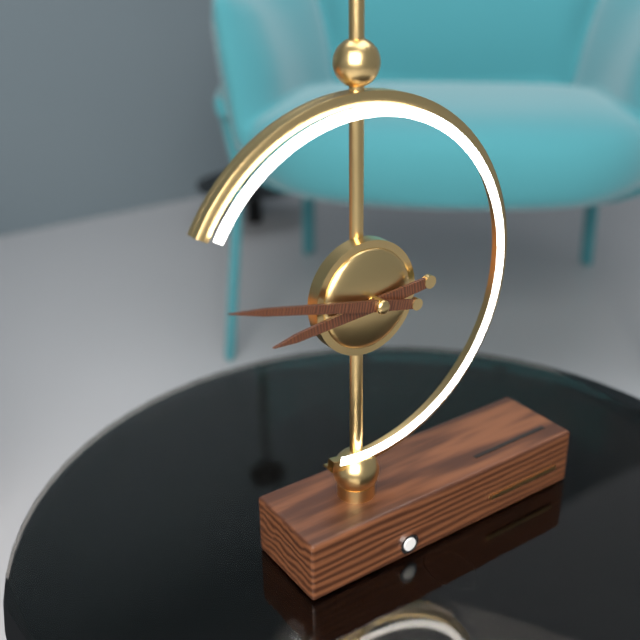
8.47
